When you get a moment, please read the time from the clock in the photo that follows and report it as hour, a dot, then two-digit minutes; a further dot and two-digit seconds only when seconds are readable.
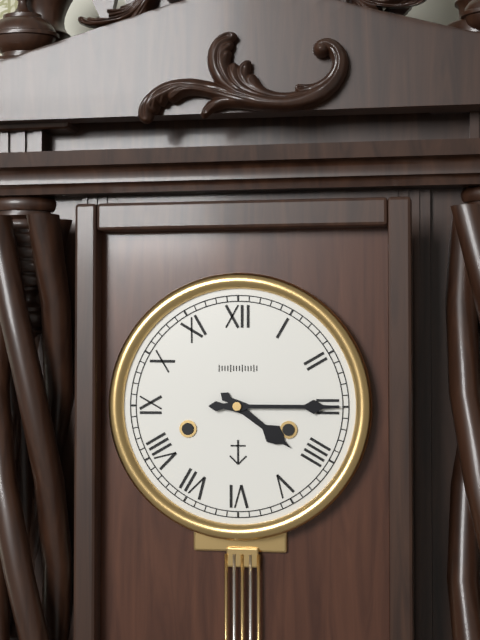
4.15
